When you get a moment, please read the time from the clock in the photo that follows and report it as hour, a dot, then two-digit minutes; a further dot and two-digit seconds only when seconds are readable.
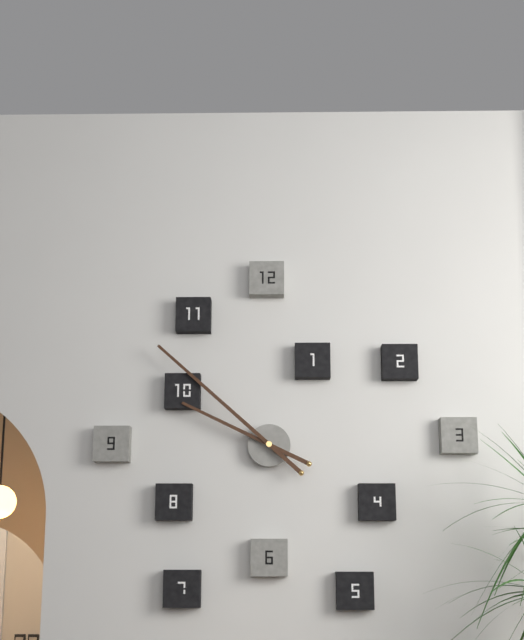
9.52
